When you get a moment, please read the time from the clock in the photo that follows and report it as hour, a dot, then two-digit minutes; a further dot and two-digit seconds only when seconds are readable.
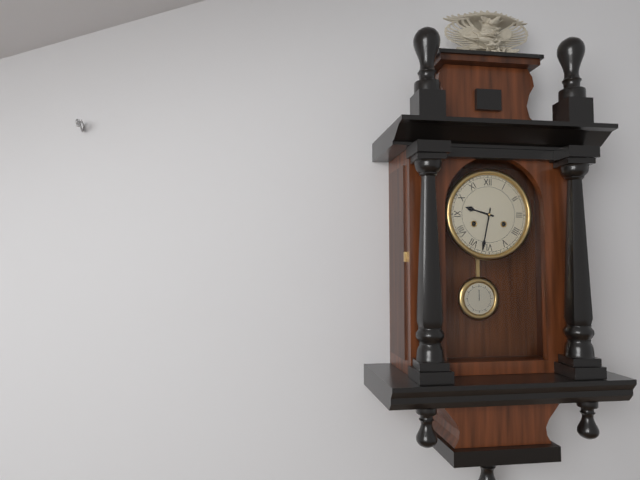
9.32
